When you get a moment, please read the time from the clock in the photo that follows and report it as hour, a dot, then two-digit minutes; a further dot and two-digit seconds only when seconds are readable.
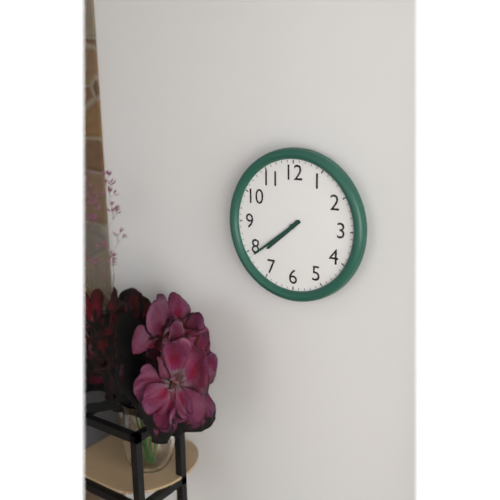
7.39
